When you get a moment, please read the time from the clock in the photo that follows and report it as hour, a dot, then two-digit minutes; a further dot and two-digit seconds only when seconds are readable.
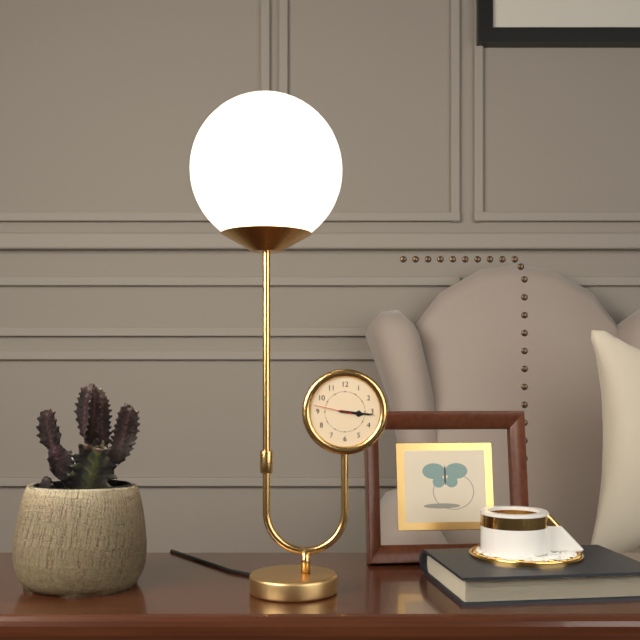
3.16
